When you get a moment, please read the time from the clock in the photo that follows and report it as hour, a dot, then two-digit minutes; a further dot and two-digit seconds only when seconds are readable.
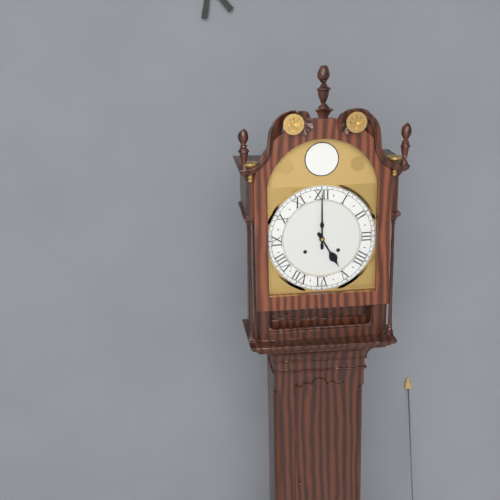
5.00
